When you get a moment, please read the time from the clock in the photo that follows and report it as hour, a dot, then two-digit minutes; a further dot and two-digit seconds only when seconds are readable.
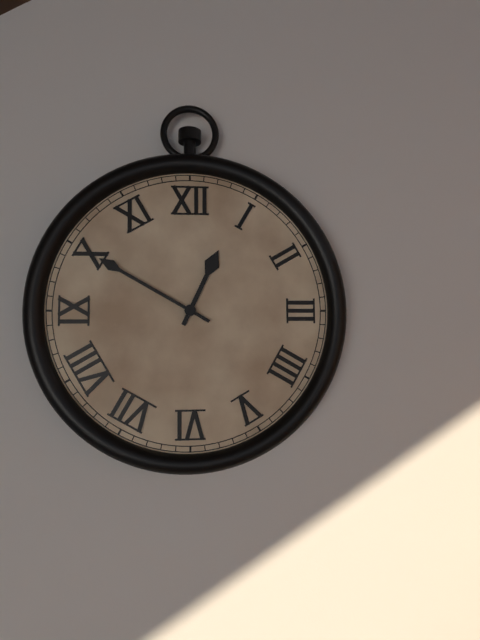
12.50
